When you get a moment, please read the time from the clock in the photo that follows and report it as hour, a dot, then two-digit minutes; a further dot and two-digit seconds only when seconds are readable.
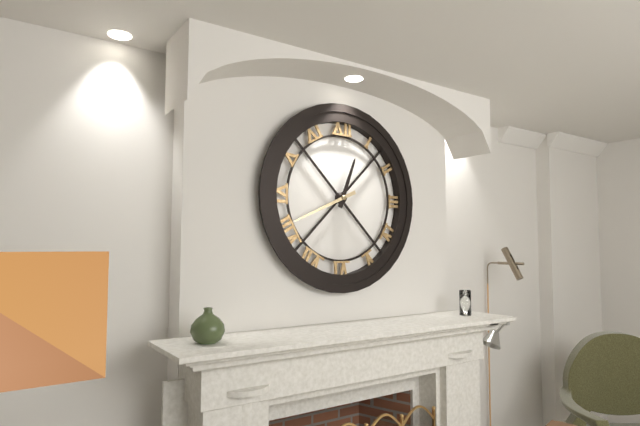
12.41
